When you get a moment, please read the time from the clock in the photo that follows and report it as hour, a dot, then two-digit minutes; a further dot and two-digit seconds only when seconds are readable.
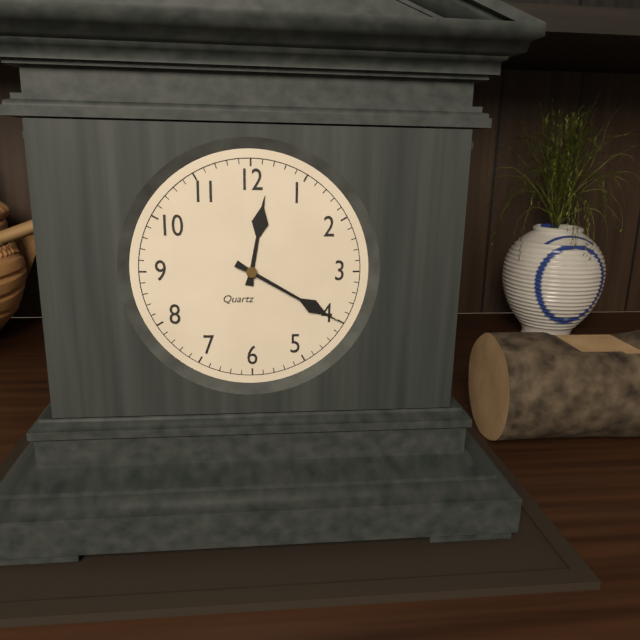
12.20
